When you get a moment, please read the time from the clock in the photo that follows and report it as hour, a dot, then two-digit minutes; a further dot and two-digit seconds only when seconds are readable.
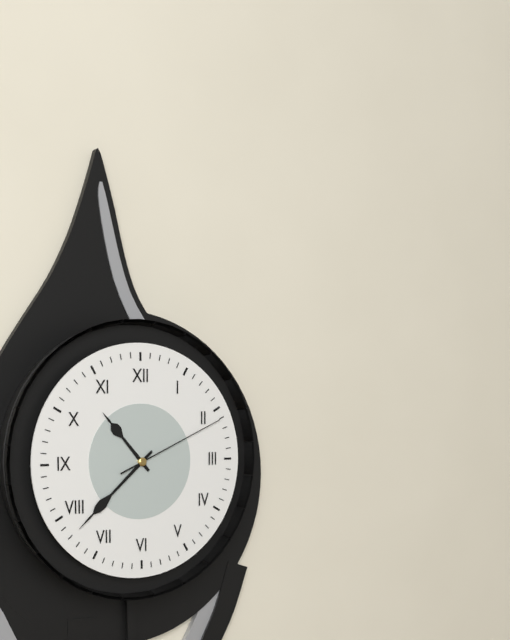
10.38.11
